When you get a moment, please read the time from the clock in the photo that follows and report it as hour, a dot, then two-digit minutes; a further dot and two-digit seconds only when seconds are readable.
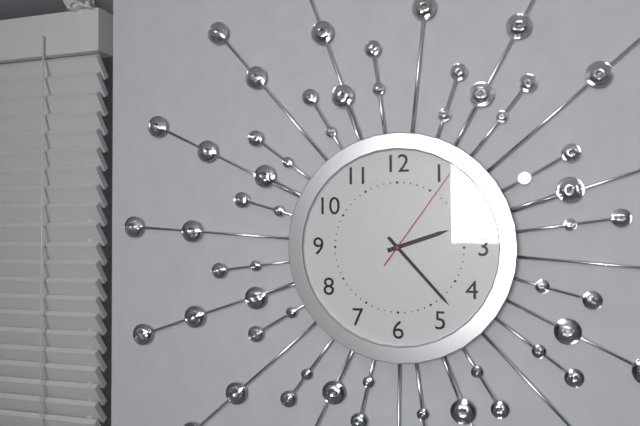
2.23.06
